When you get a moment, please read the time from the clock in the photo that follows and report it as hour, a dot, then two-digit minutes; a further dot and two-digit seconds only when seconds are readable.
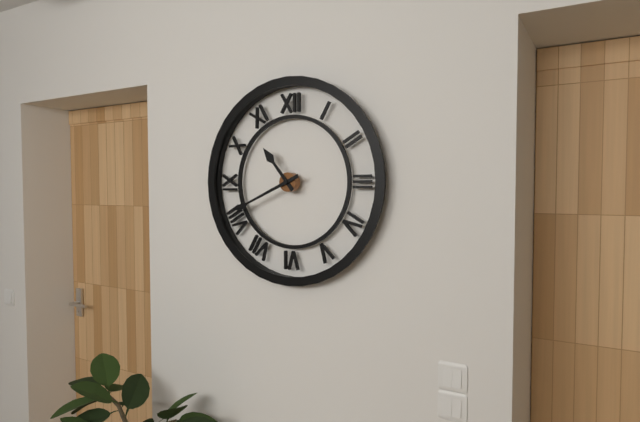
10.41
